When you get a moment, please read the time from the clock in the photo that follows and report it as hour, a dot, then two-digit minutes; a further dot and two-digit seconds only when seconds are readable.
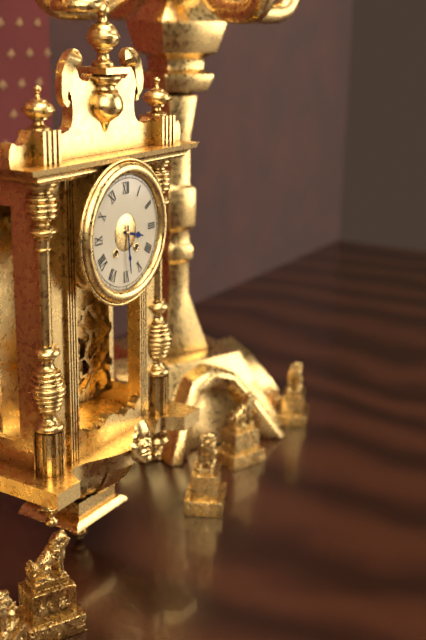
3.29
